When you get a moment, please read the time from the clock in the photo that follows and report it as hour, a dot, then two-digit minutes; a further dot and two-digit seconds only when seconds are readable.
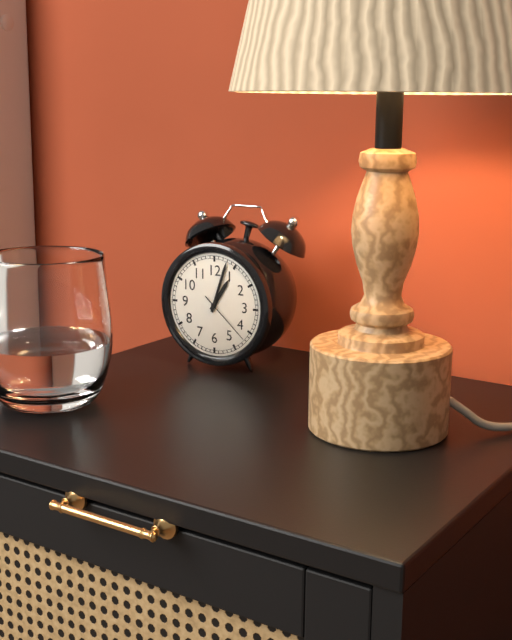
1.03.22
